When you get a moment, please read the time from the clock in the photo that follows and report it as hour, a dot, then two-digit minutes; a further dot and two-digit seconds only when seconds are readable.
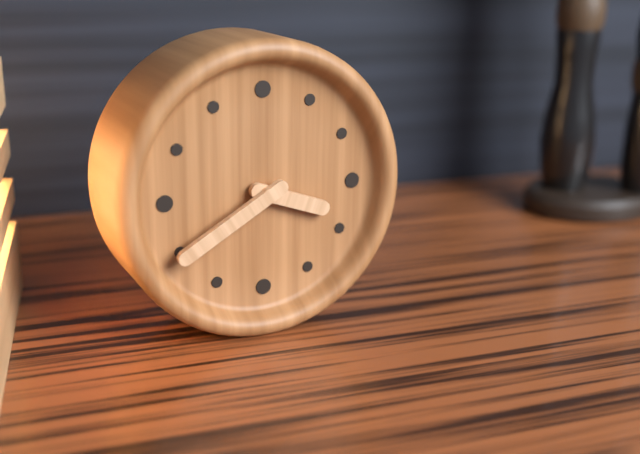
3.40
